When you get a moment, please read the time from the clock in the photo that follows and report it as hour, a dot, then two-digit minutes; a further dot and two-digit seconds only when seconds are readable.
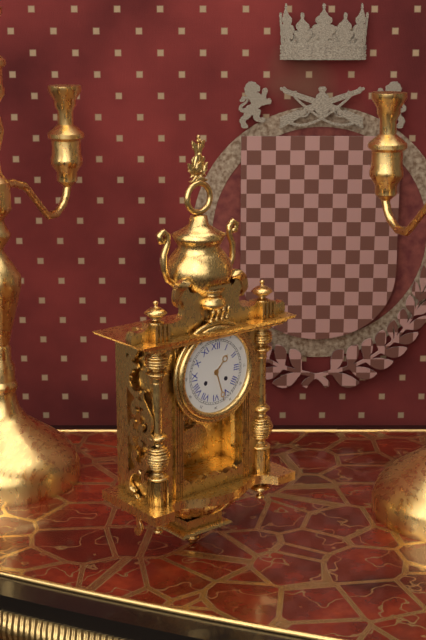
1.27
